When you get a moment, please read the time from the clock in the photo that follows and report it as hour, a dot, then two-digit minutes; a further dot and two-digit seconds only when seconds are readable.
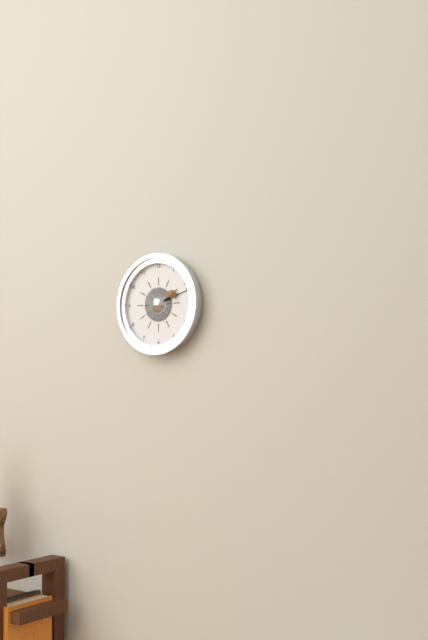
2.12
